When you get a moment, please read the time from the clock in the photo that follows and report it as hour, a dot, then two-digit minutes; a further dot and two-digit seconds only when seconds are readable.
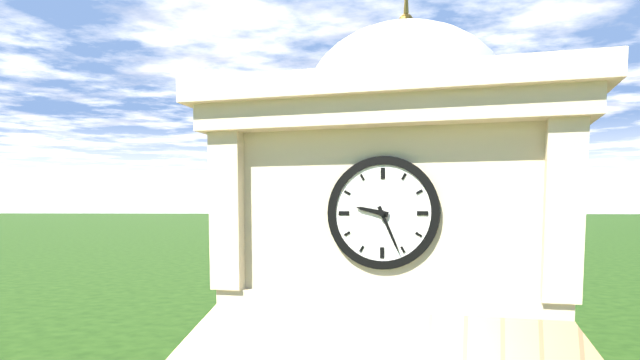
9.26
